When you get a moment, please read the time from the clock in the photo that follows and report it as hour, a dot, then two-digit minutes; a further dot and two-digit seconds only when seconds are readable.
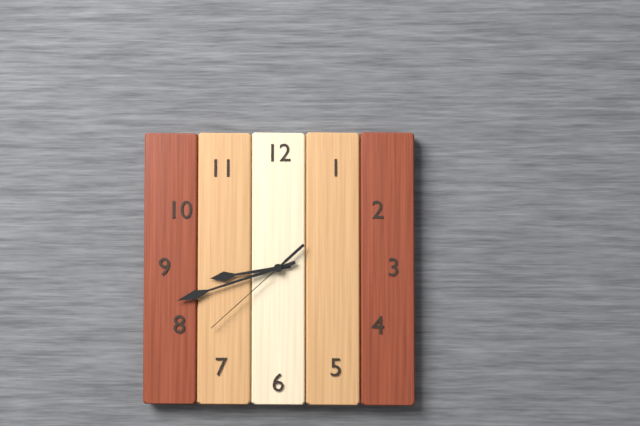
8.42.38
